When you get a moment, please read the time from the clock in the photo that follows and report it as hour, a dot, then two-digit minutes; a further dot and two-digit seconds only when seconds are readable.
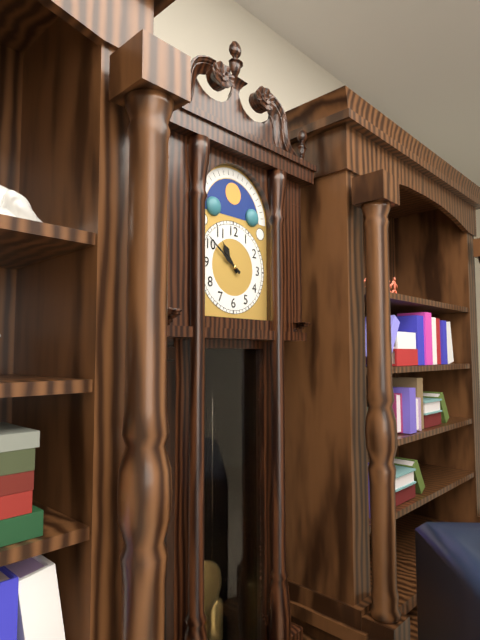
10.51
